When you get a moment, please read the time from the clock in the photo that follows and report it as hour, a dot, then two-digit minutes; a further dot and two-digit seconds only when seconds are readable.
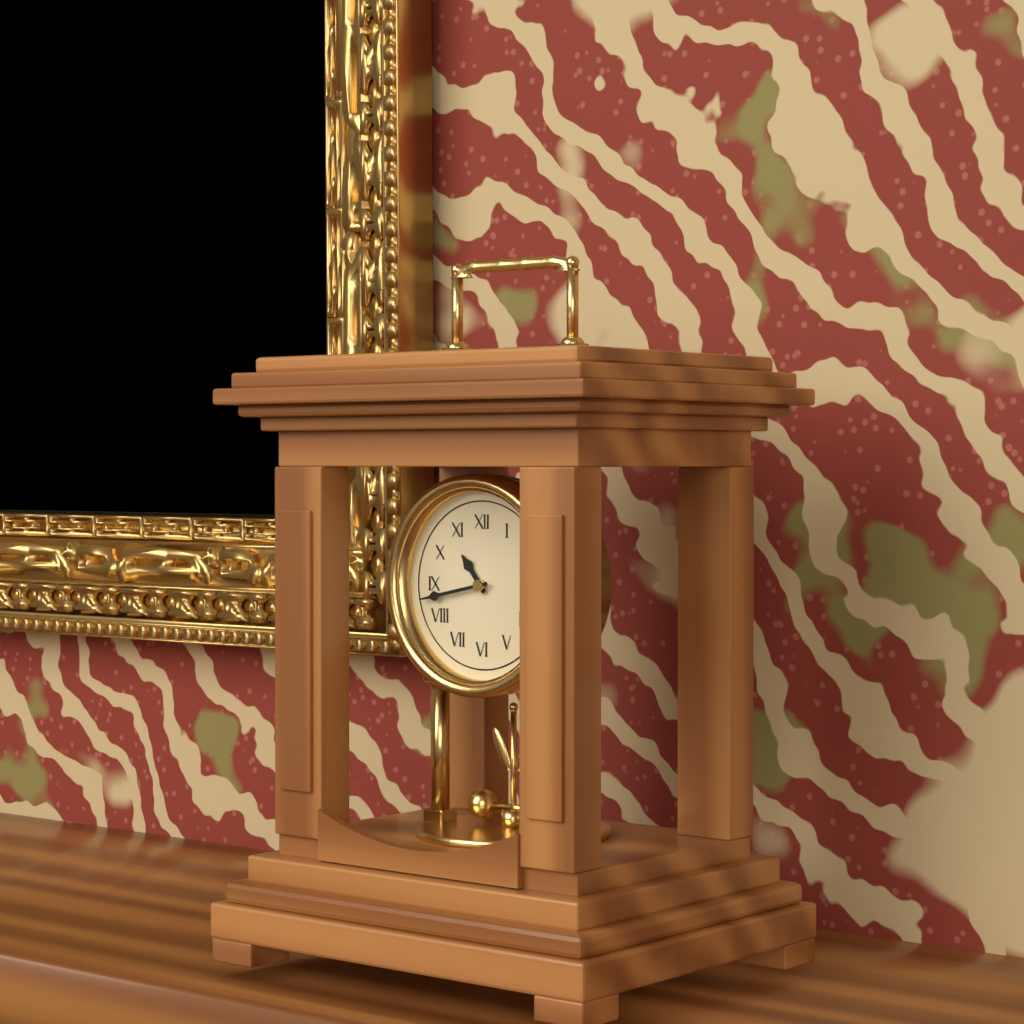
10.43
